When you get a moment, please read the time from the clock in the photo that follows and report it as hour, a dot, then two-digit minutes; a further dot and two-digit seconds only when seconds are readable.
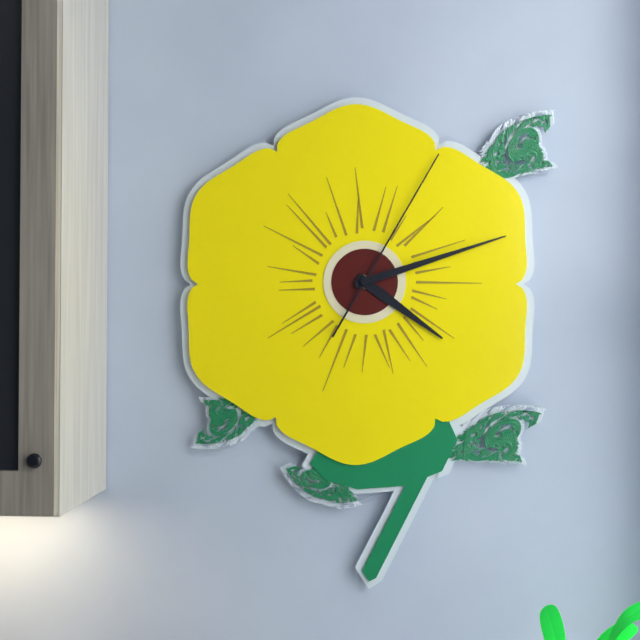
4.12.05
